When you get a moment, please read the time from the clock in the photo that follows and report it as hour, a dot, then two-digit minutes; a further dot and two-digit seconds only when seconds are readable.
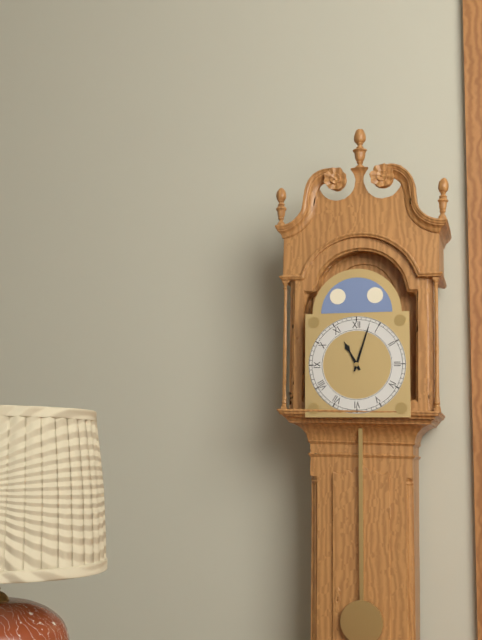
11.03
